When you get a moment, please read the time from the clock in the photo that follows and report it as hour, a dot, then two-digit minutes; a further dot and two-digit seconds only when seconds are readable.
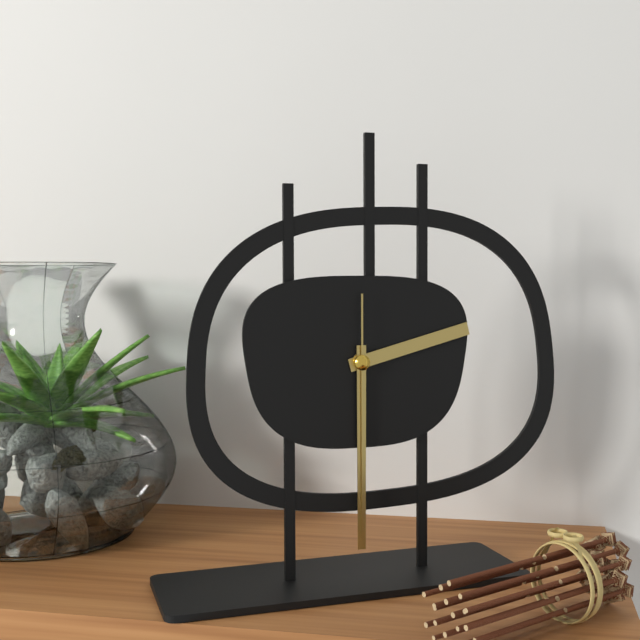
2.30.30
